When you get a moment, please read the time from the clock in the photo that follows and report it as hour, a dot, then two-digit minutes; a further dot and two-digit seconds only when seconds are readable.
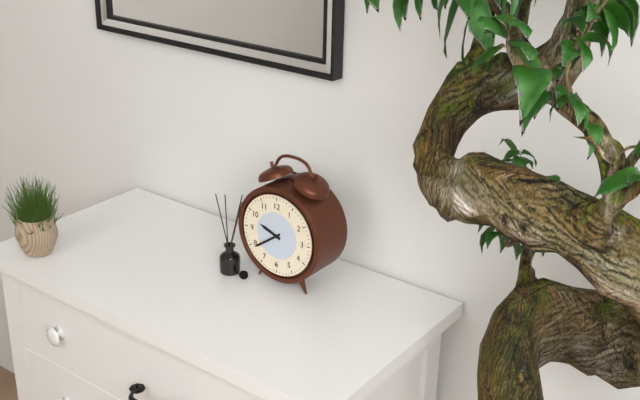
9.39
